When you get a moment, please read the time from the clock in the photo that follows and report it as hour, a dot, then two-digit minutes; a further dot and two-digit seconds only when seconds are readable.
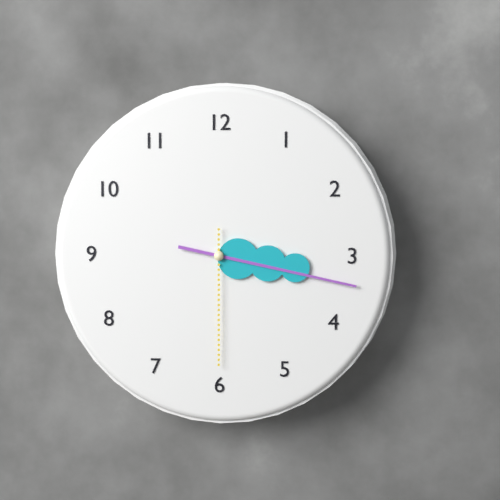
3.17.30
